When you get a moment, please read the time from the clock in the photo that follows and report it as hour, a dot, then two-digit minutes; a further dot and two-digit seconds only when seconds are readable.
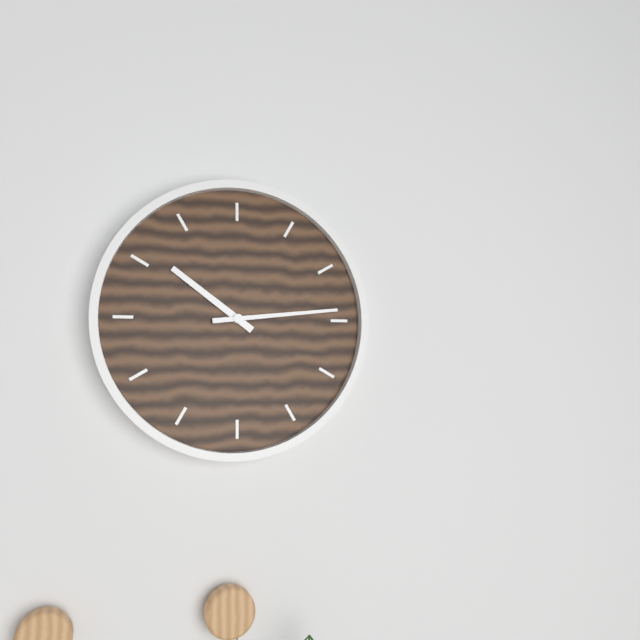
10.14
